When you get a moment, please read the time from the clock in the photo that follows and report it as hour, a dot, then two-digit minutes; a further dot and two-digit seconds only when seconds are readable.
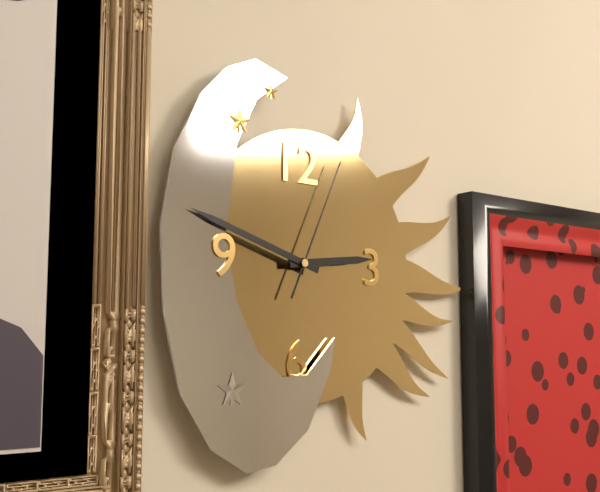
2.48.04
